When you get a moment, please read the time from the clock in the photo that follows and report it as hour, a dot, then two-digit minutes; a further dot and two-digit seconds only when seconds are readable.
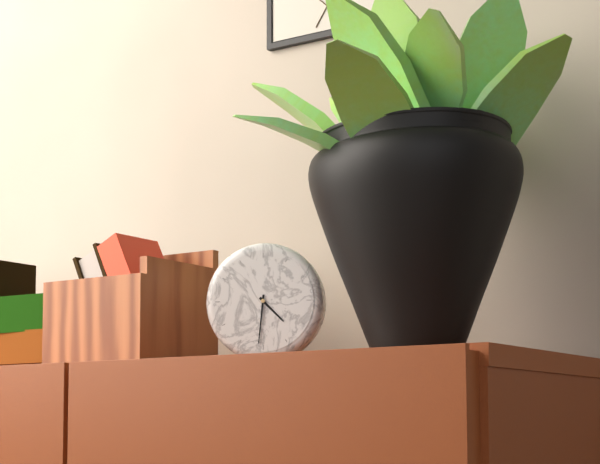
4.31
